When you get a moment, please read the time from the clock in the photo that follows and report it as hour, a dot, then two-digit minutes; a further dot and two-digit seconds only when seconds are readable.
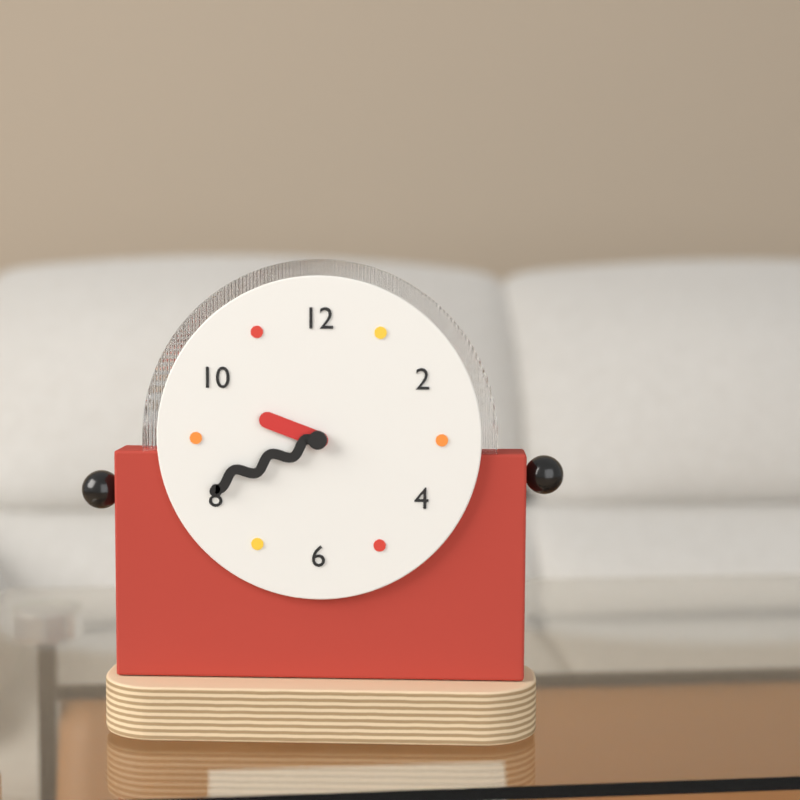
9.41
